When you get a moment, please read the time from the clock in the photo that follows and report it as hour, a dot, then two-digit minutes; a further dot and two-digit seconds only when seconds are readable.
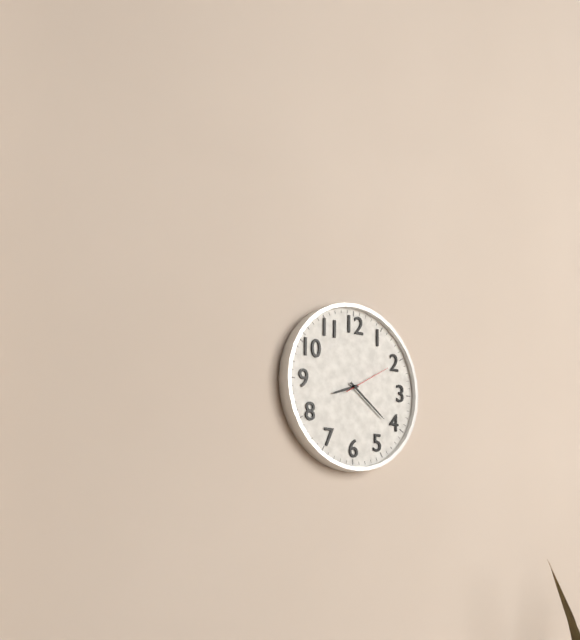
8.21
